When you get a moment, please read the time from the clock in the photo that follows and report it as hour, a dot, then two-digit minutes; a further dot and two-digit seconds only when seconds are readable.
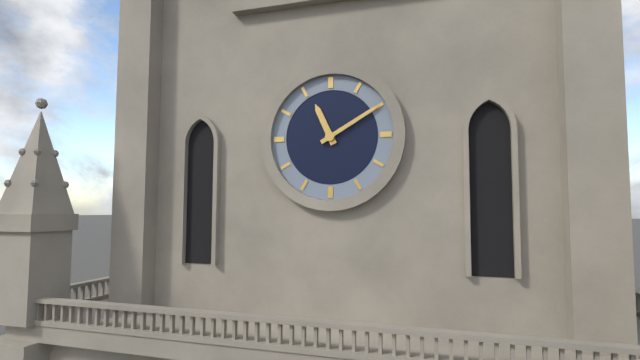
11.10
